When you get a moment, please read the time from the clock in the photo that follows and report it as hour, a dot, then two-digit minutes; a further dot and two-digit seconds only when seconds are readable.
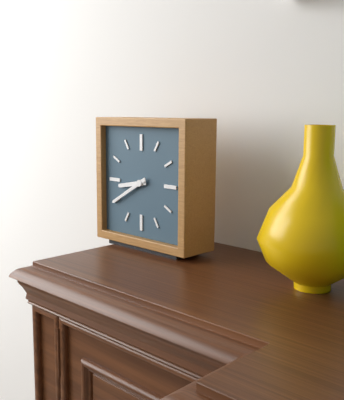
8.40
